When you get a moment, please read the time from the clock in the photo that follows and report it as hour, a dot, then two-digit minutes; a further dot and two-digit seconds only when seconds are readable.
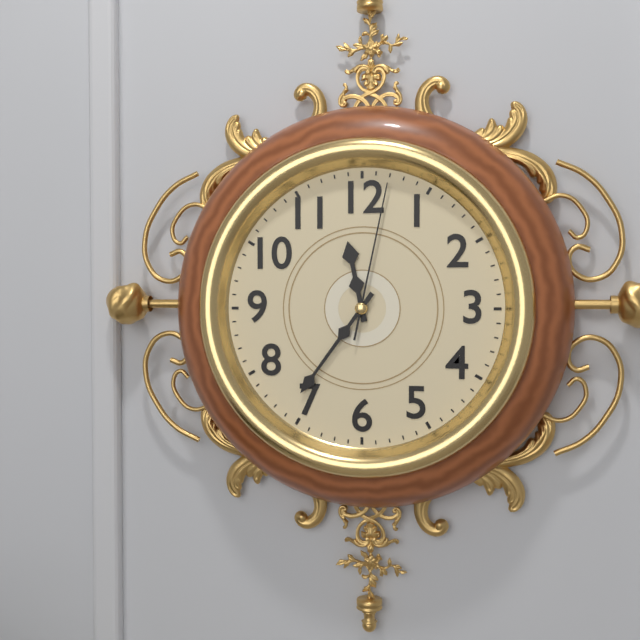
11.36.02
